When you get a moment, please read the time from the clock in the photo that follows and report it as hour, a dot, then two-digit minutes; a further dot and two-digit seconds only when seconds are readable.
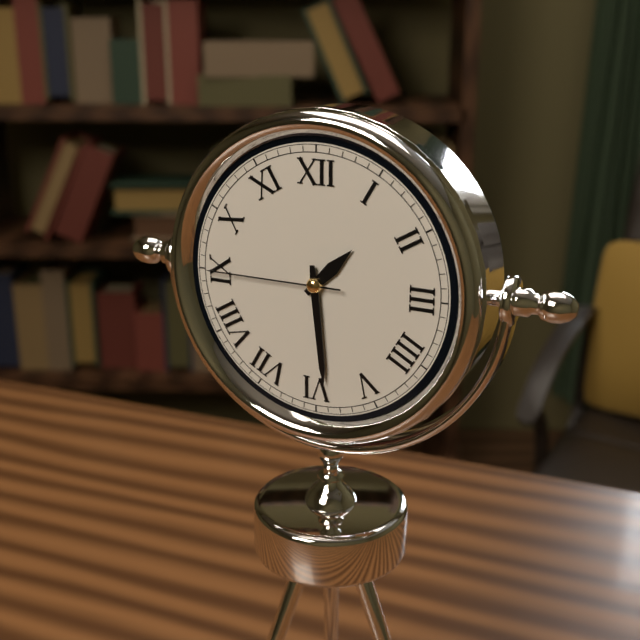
1.29.45
